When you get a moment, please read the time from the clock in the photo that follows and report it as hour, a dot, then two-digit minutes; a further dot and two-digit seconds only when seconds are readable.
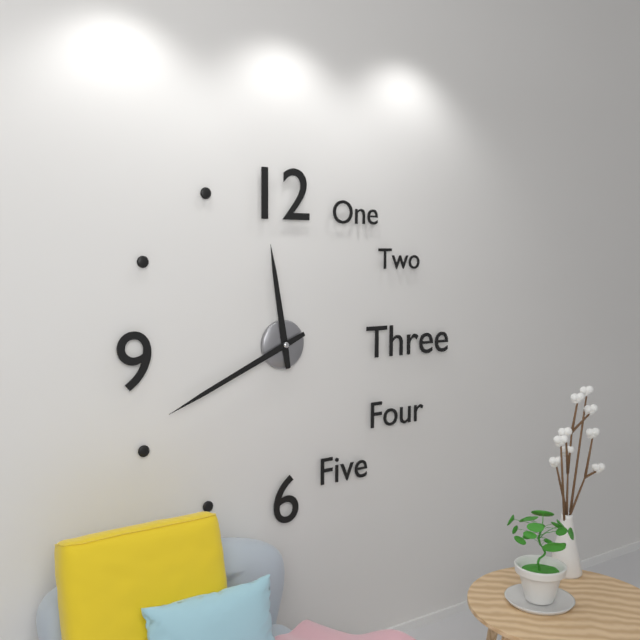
11.41
